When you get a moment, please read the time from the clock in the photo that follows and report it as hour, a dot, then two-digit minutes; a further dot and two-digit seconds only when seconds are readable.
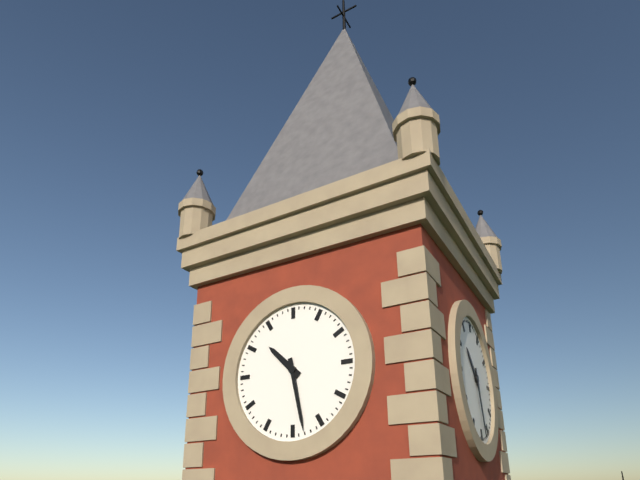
10.28
